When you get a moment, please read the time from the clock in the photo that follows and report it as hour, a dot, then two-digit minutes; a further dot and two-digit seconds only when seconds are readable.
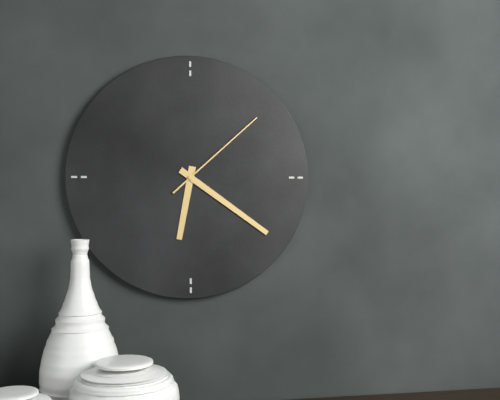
6.21.08
